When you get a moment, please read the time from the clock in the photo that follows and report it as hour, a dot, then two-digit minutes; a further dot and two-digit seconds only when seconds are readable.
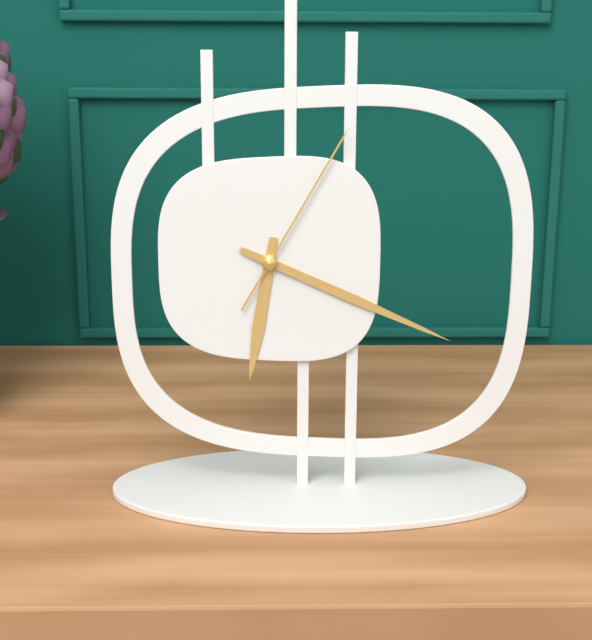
6.19.05
